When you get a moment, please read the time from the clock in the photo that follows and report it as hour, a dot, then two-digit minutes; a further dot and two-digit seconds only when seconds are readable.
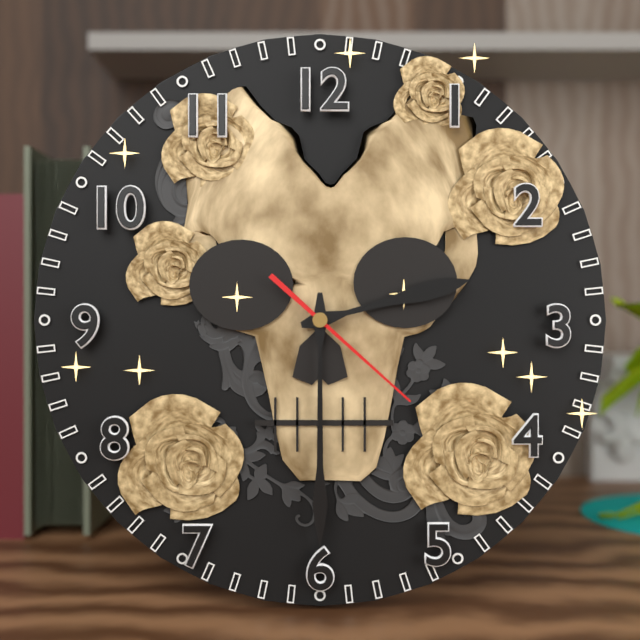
2.30.22
